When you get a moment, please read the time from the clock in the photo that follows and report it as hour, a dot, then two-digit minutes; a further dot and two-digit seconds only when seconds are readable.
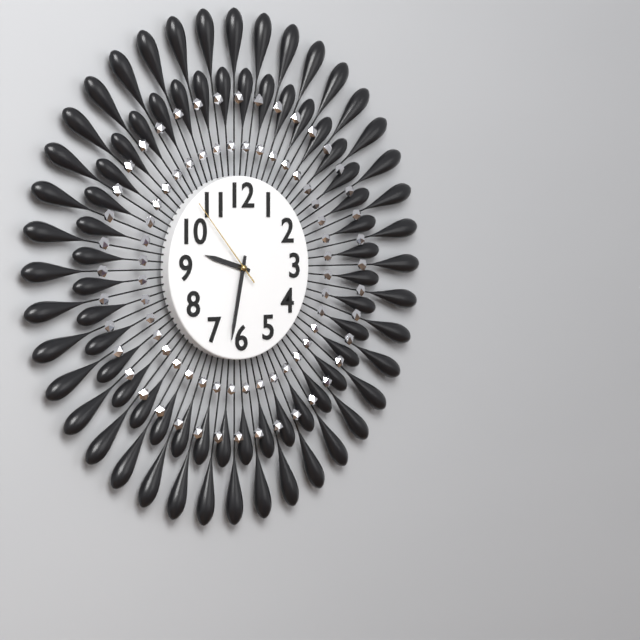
9.32.53
